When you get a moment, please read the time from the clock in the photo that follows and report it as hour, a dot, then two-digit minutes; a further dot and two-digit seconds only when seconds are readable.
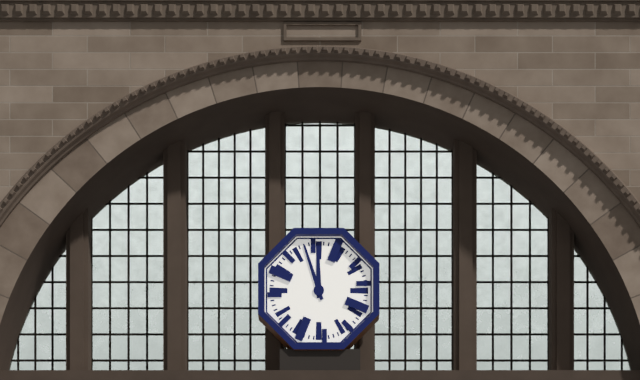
11.57
